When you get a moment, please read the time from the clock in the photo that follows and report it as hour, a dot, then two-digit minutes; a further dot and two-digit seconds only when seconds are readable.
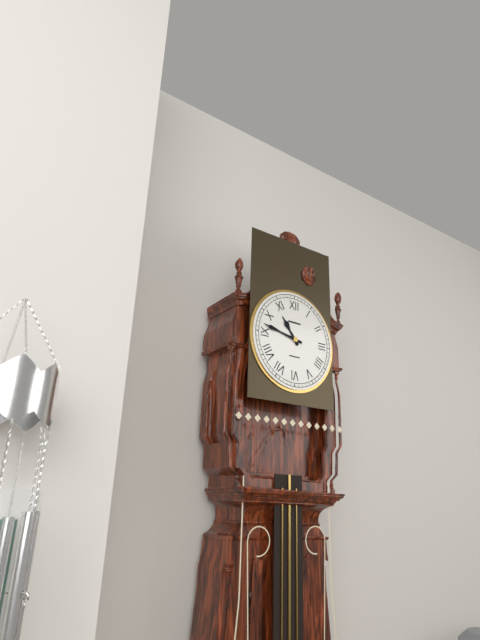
10.47
